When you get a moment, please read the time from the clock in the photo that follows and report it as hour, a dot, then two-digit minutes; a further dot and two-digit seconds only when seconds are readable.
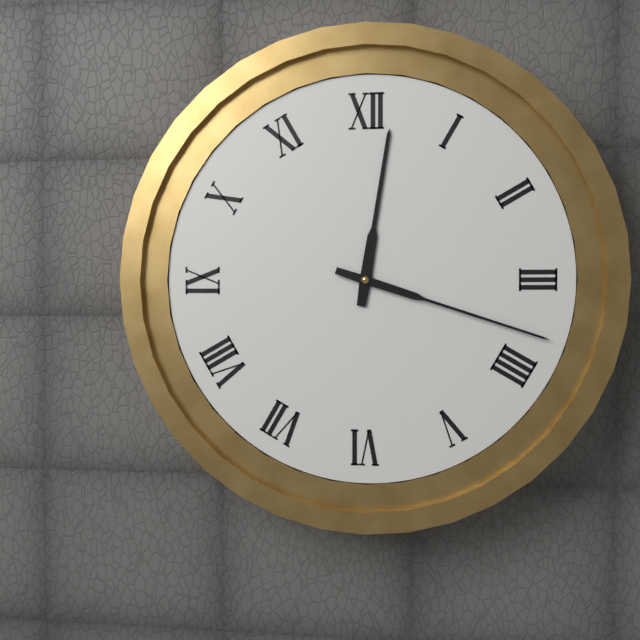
12.18
